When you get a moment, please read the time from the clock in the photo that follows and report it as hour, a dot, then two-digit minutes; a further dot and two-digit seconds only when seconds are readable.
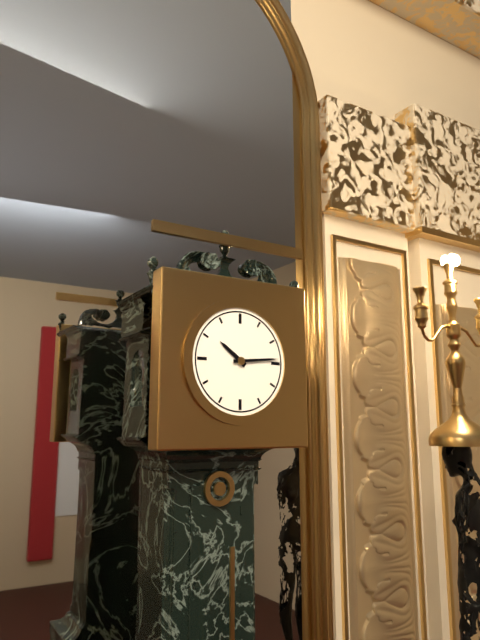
10.14
